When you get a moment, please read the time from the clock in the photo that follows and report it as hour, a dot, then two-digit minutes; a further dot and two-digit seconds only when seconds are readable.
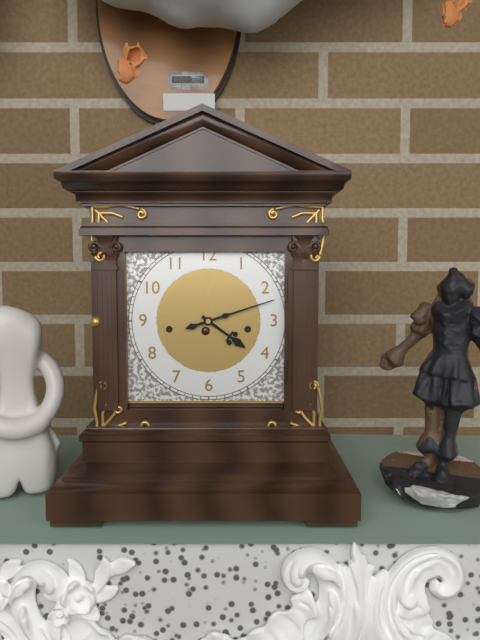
4.12
